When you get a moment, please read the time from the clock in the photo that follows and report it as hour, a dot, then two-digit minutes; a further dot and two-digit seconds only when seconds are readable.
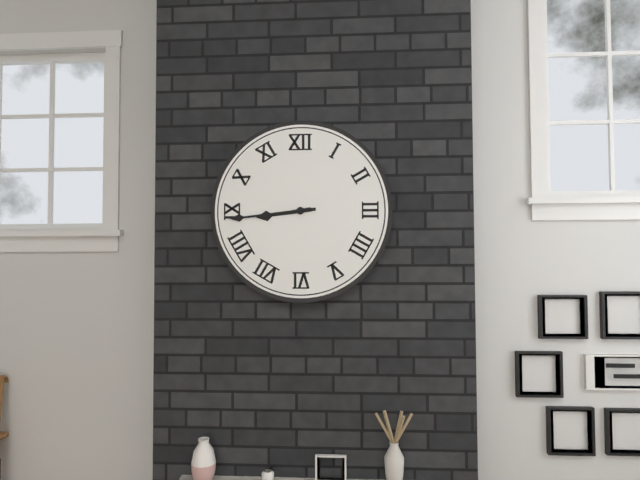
8.44
